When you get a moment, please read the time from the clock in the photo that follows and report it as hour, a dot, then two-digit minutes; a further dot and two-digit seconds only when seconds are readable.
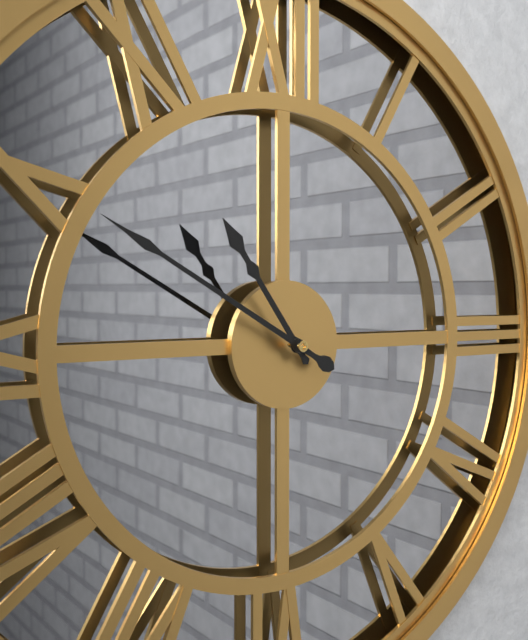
10.50
